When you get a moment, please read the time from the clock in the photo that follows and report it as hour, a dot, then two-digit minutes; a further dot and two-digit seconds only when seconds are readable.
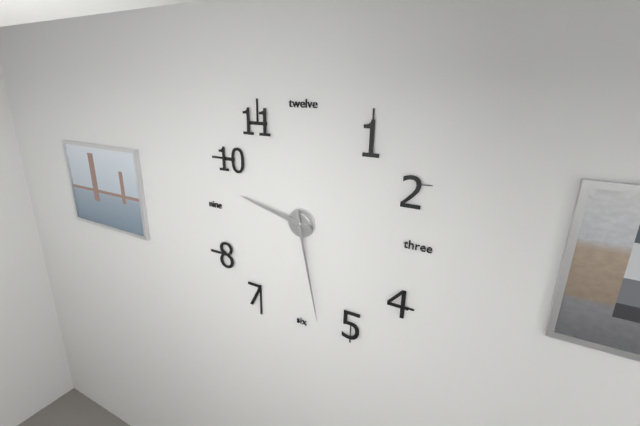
9.28
